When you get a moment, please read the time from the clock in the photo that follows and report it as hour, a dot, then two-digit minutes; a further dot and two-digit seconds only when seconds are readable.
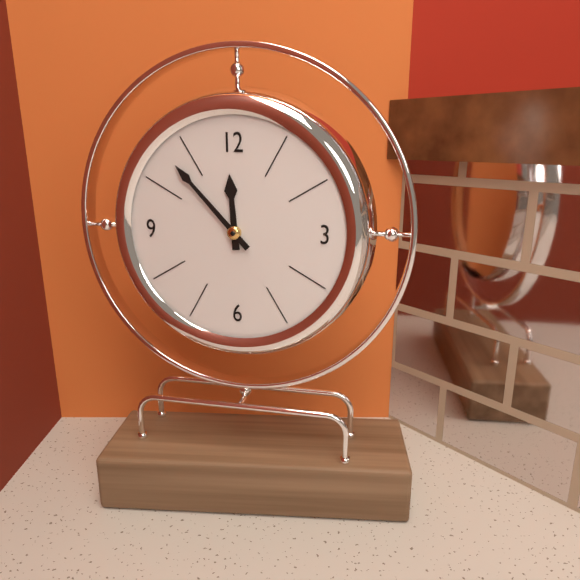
11.53
